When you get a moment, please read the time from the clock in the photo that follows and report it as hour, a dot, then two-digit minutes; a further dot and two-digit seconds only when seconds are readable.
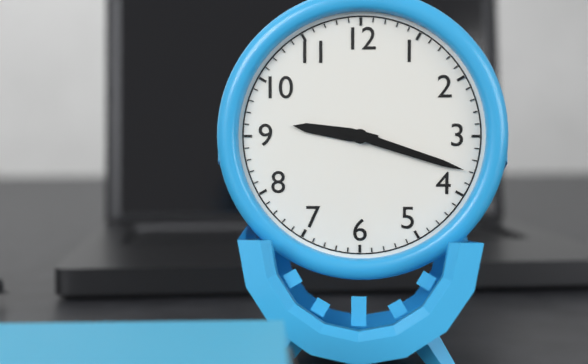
9.18
